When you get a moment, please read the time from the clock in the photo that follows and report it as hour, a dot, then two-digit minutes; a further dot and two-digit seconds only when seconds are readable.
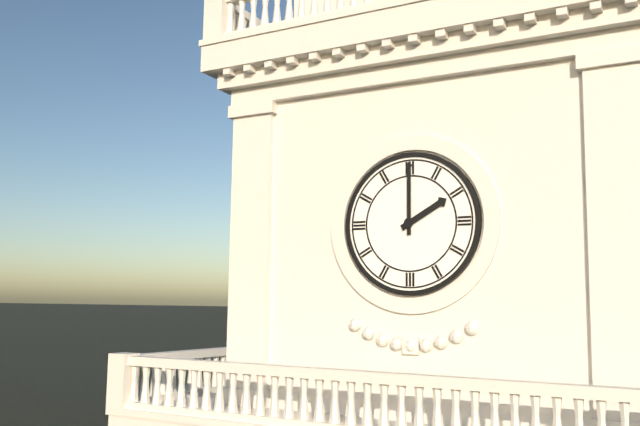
2.00
